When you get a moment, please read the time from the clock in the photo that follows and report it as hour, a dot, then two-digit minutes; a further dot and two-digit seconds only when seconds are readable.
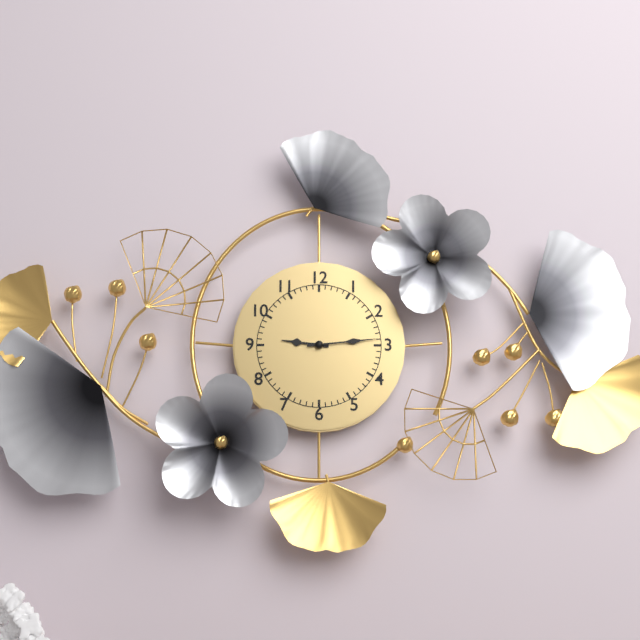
9.14
